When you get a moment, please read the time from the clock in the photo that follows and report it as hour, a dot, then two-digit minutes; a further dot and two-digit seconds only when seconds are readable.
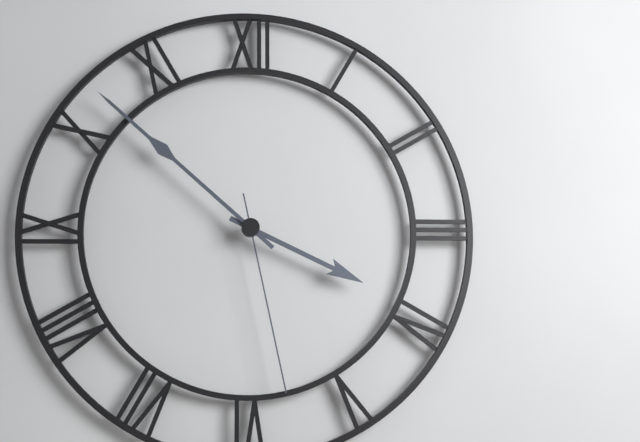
3.52.28
